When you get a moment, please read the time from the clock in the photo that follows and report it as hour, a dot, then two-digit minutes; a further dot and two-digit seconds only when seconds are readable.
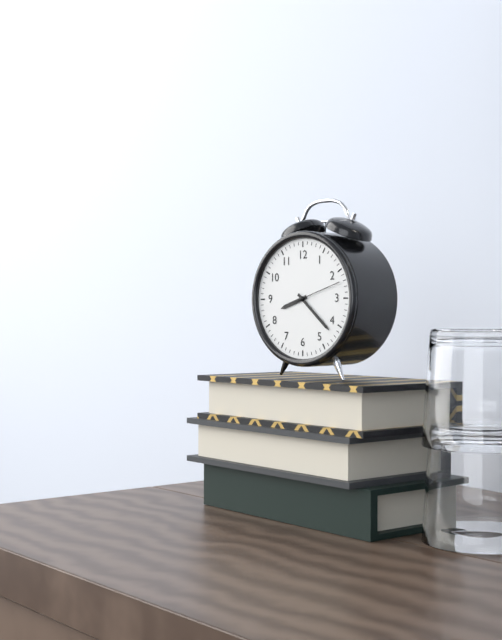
8.22.12
